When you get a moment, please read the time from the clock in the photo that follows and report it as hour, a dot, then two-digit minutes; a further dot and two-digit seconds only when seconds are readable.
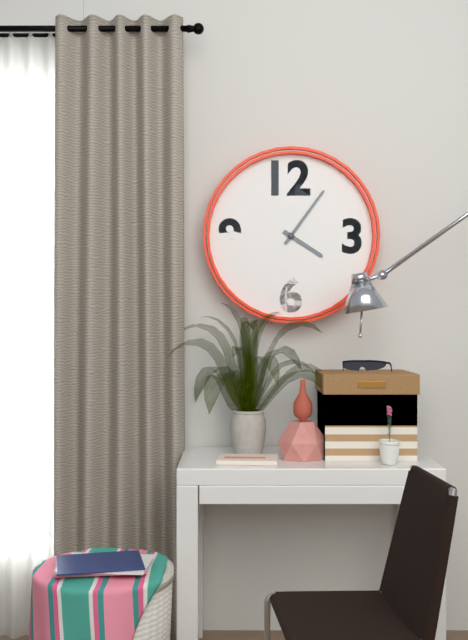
4.06
